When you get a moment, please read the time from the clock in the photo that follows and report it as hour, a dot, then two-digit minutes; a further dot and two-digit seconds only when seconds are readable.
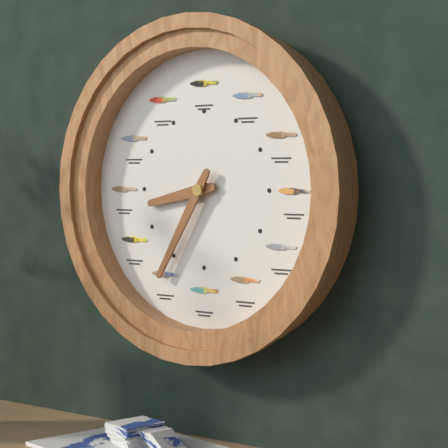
8.35
